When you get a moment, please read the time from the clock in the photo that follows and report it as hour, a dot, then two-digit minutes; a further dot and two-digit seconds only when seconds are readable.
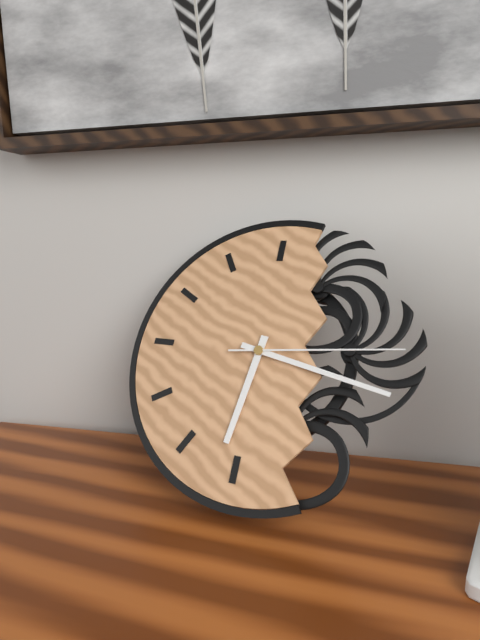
6.17.14
